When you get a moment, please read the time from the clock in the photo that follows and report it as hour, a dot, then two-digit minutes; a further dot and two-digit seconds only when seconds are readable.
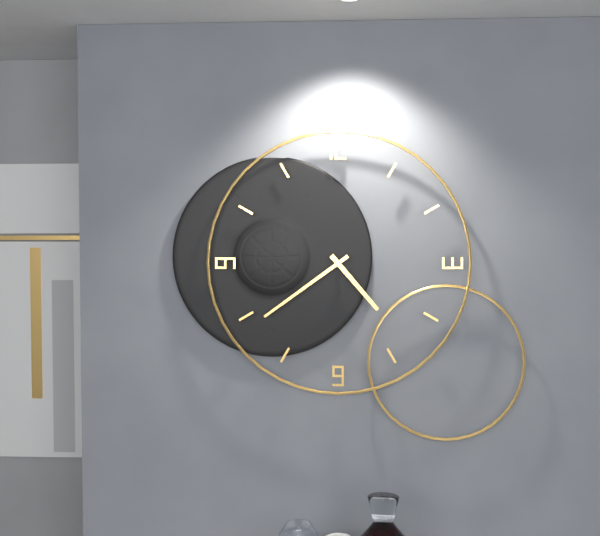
4.39
